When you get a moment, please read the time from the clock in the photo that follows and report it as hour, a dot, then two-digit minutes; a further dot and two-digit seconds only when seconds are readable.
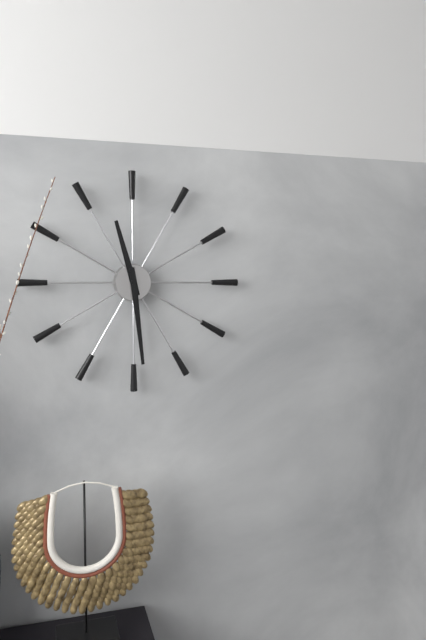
11.29
